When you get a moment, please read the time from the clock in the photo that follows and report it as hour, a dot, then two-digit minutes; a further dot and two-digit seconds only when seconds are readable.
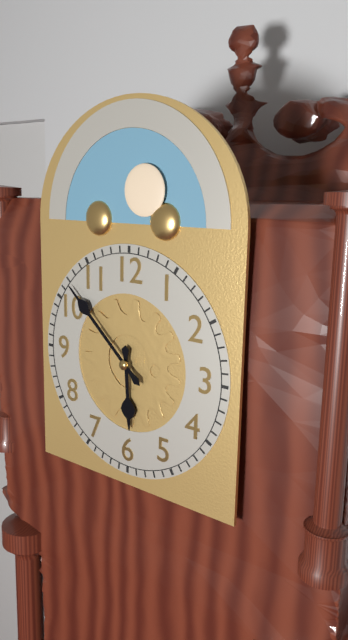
5.52
